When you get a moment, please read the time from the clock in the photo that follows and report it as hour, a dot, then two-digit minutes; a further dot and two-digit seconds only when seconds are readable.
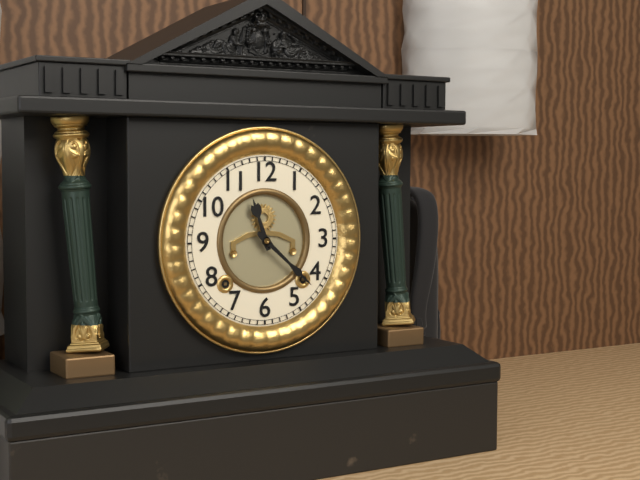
11.22
